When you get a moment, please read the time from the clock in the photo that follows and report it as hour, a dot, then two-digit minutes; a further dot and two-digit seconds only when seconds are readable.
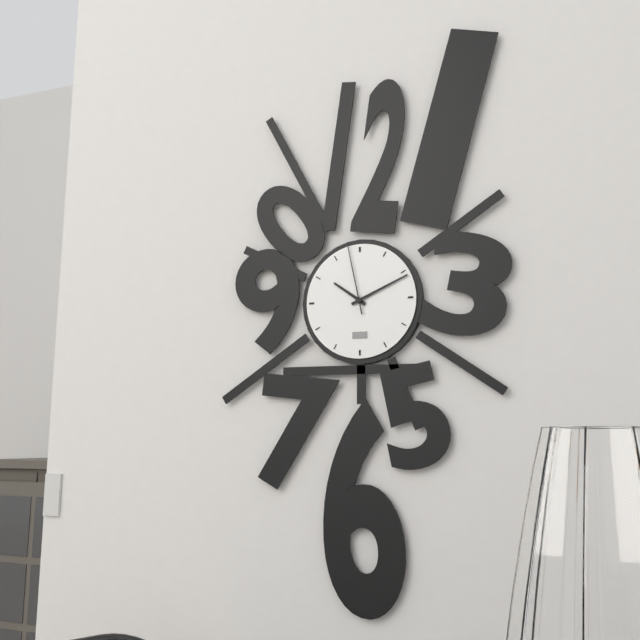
10.11.58
